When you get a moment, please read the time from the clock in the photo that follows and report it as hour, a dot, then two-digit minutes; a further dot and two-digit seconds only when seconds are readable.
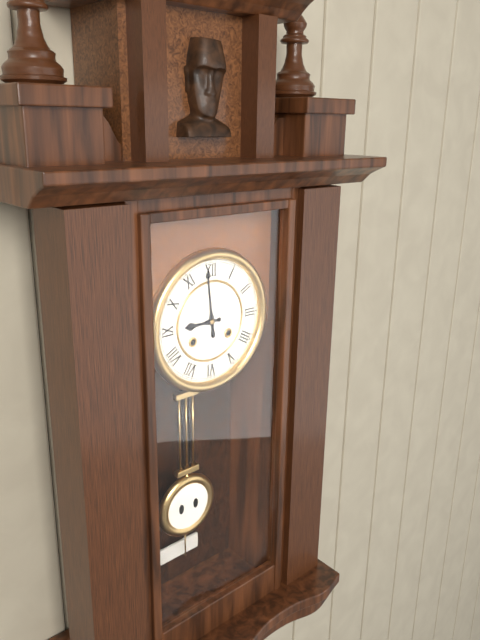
8.59
